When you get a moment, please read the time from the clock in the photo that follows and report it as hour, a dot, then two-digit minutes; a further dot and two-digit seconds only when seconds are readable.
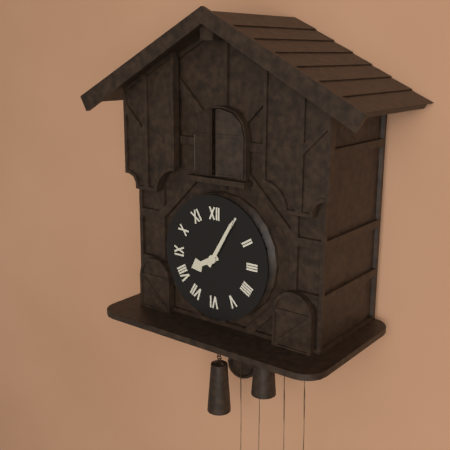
8.05
